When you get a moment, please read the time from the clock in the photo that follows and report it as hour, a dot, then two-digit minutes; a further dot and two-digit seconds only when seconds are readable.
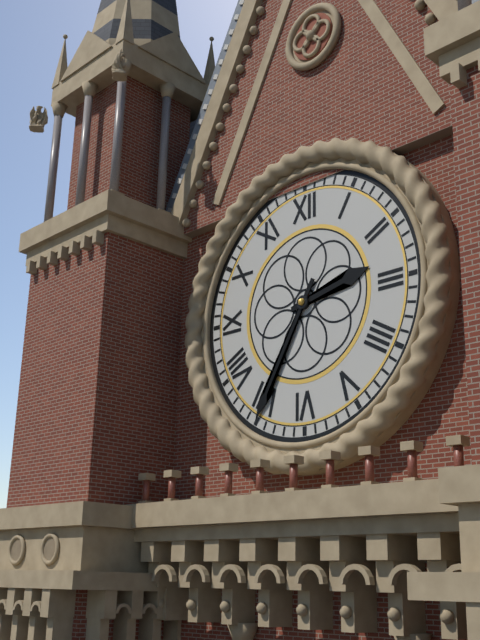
2.35
